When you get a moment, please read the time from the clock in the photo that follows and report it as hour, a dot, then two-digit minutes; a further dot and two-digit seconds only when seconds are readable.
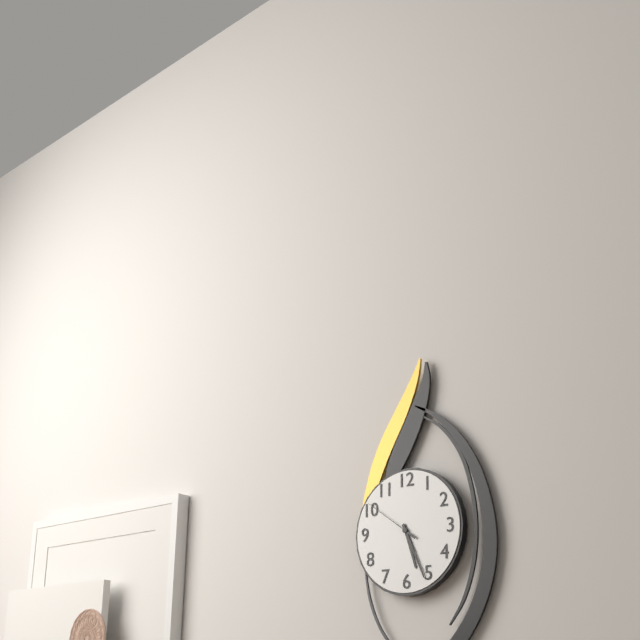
5.26.51
